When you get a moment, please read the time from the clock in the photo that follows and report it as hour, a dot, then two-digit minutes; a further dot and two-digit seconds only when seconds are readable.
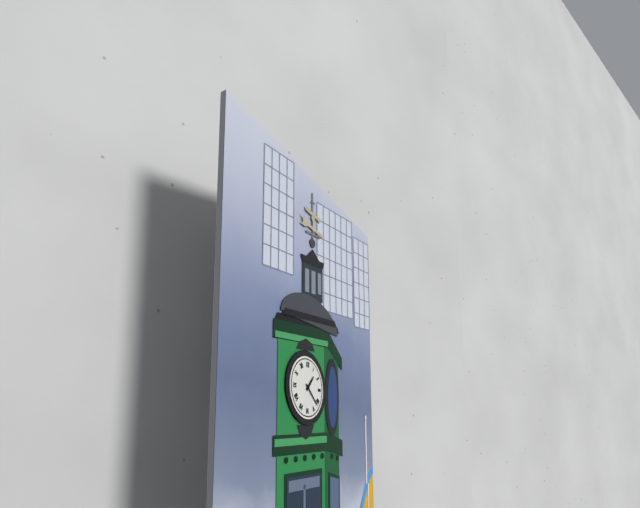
1.22
